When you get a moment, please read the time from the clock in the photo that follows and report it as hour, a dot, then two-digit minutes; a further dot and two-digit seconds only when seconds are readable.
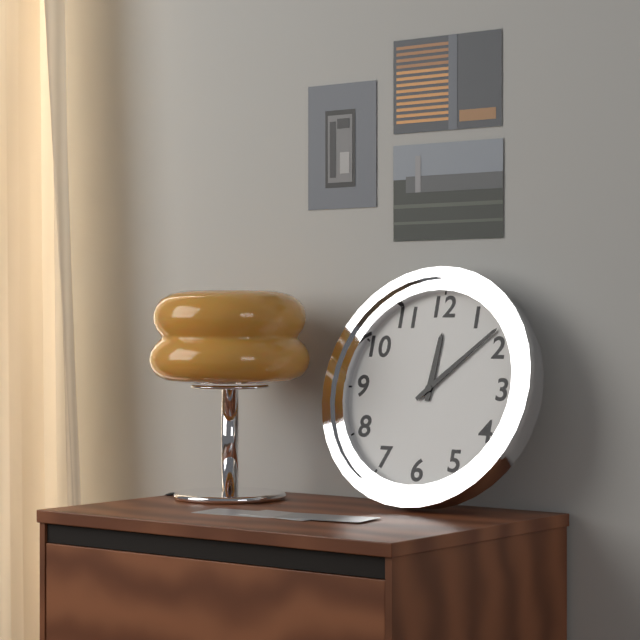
12.08
